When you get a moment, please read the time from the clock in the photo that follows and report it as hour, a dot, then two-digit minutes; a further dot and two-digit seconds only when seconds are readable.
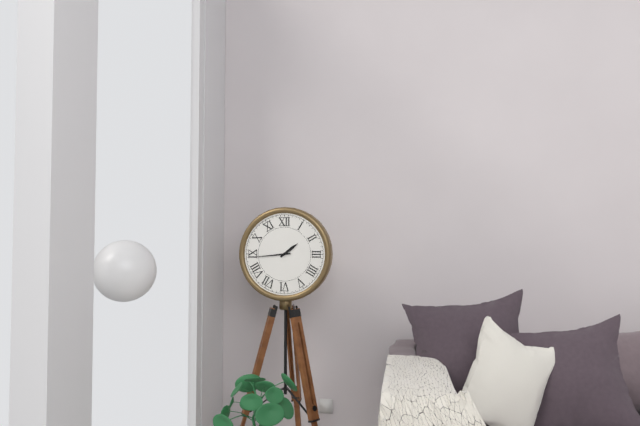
1.44
